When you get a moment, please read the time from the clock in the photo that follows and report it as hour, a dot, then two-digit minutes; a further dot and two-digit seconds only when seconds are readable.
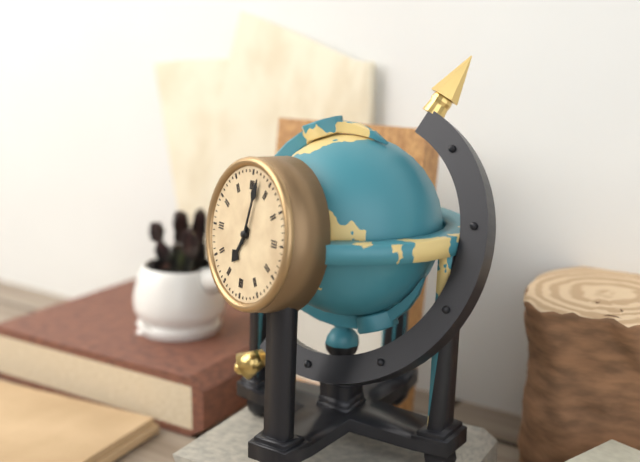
7.02
